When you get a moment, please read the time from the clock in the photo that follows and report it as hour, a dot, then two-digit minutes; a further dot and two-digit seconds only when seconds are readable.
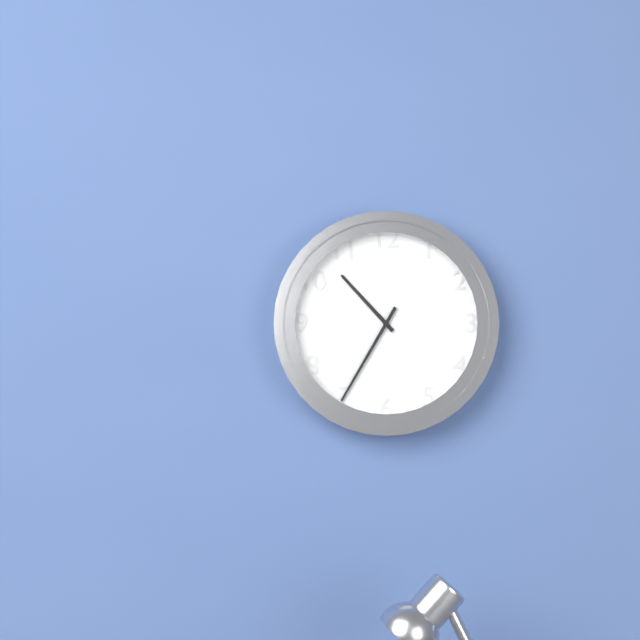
10.35
